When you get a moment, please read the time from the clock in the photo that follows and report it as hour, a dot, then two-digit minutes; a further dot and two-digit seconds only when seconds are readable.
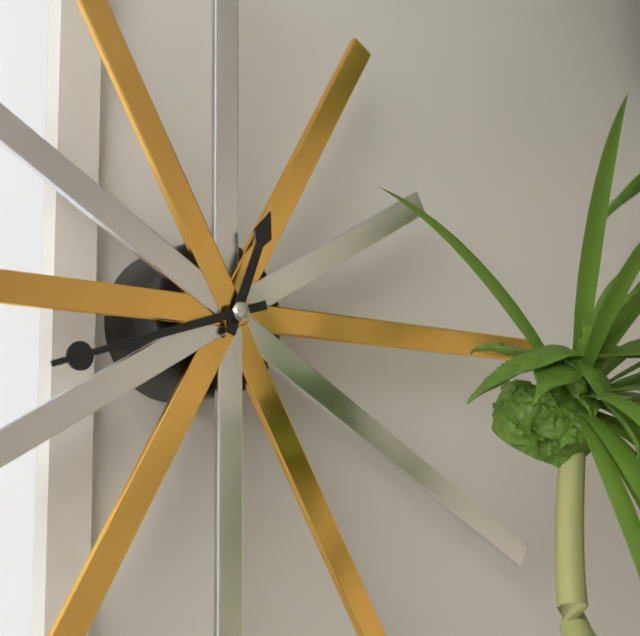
12.42
